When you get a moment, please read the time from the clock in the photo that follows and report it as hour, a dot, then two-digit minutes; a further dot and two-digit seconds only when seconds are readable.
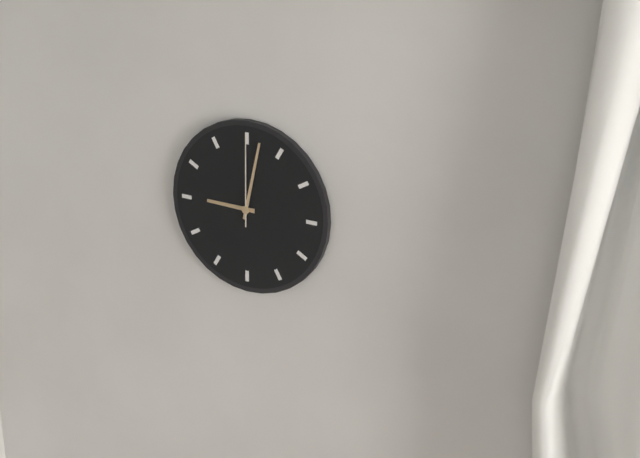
9.02.00
